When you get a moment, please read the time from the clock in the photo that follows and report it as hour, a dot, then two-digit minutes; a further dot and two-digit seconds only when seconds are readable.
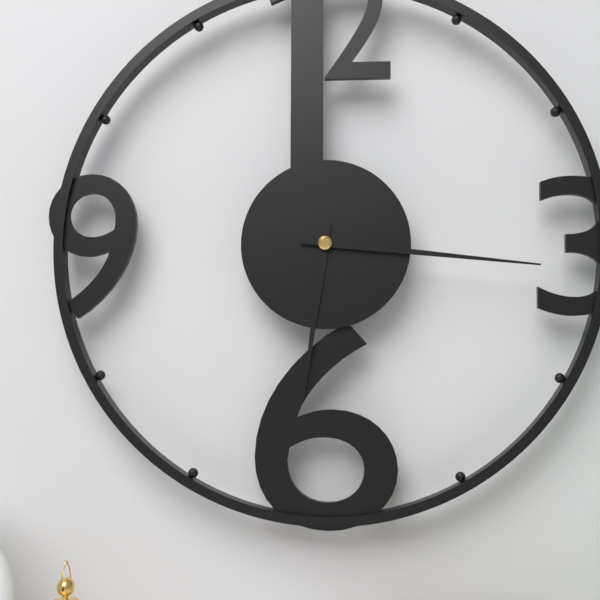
6.16
